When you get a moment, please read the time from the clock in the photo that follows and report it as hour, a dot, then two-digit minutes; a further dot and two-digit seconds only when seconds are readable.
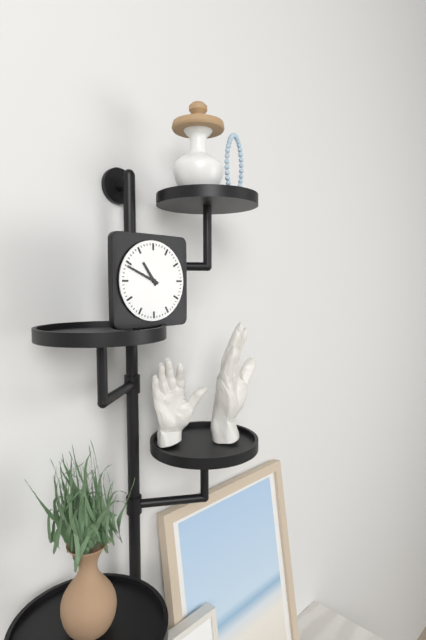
10.49
